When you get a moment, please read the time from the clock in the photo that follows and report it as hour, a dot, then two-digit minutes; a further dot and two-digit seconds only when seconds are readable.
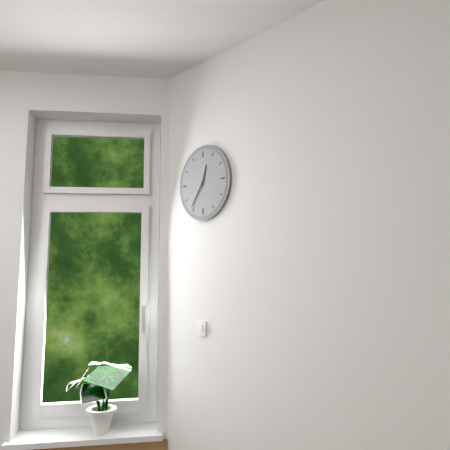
12.36
